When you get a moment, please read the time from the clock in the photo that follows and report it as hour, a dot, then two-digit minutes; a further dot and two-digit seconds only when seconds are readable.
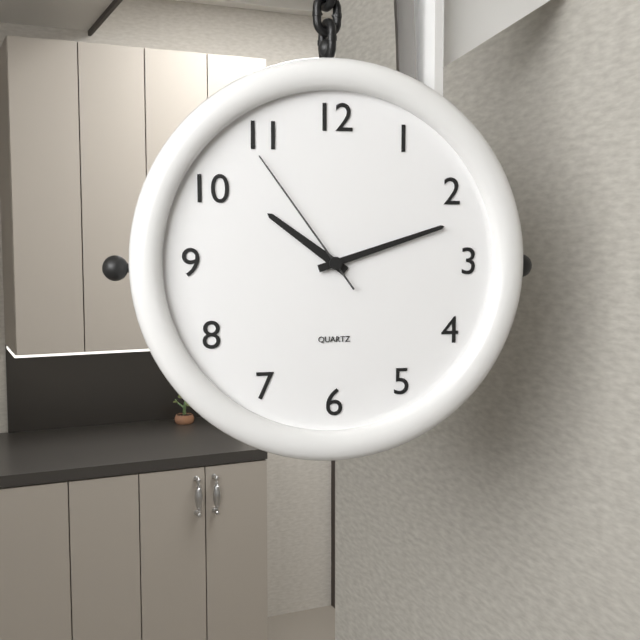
10.12.54
